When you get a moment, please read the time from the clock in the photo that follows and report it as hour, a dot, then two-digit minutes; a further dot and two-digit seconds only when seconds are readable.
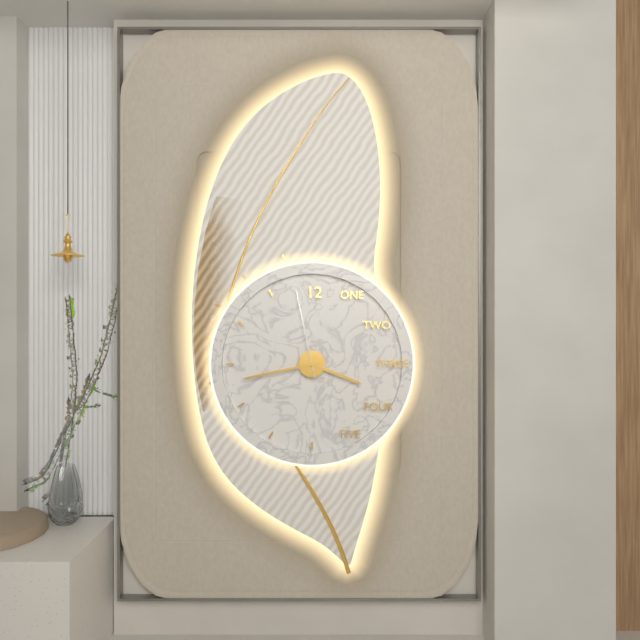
3.43.58
